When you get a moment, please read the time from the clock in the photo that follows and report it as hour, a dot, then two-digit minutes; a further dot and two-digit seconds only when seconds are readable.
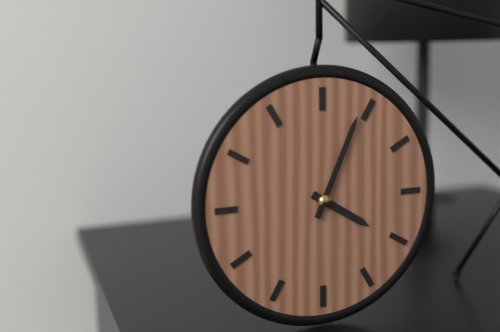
4.04
